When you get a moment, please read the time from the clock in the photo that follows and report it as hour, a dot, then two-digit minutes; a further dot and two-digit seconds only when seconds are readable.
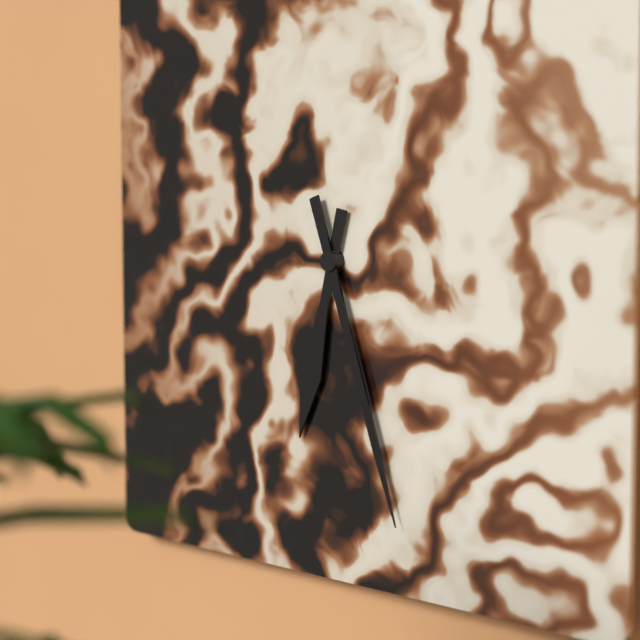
6.27
